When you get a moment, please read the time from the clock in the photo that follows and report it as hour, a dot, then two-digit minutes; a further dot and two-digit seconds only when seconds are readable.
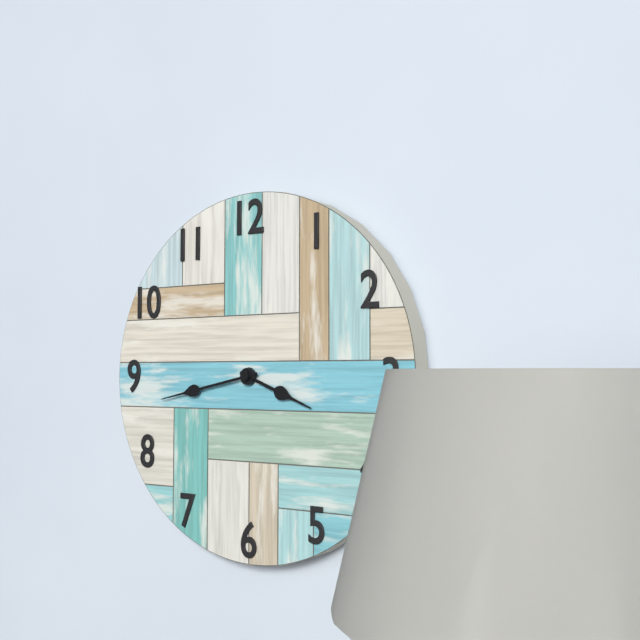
3.43
